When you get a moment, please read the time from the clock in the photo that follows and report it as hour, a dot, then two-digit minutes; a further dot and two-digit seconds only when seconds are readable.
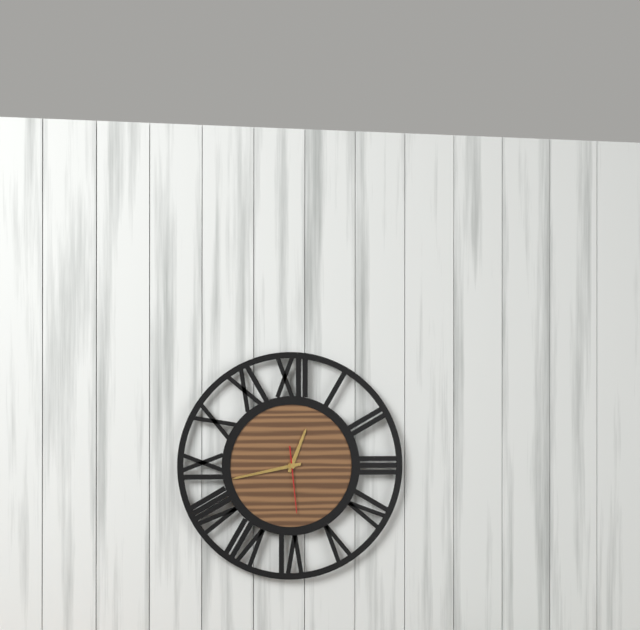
12.43.29
